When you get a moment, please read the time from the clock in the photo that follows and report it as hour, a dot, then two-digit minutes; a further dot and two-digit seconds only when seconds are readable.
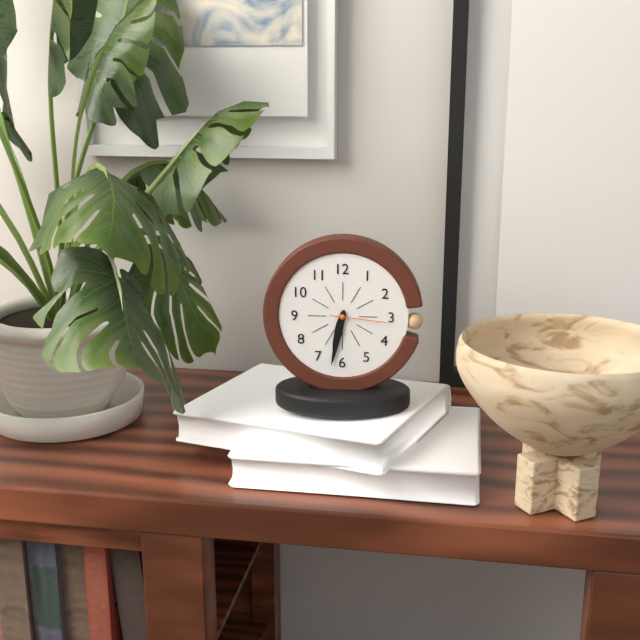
6.32.16
